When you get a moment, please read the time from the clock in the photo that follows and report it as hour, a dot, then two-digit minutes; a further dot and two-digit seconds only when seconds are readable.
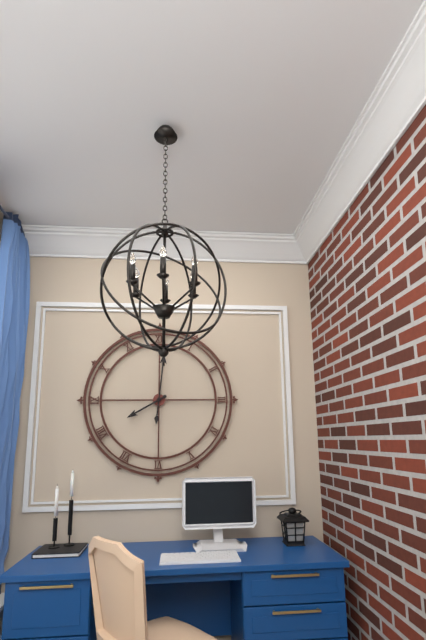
8.01
